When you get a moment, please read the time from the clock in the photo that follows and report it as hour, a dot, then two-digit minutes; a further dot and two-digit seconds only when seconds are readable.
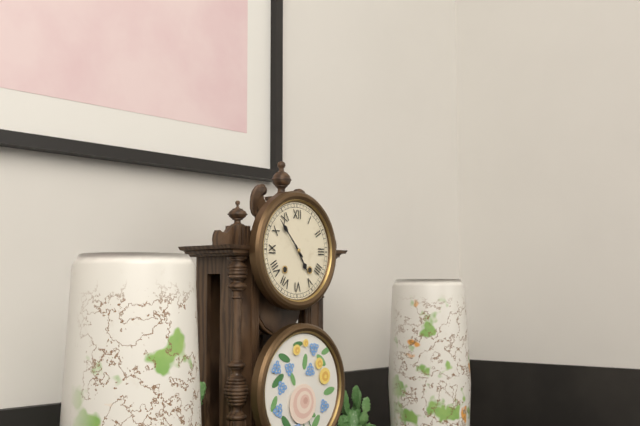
4.53
